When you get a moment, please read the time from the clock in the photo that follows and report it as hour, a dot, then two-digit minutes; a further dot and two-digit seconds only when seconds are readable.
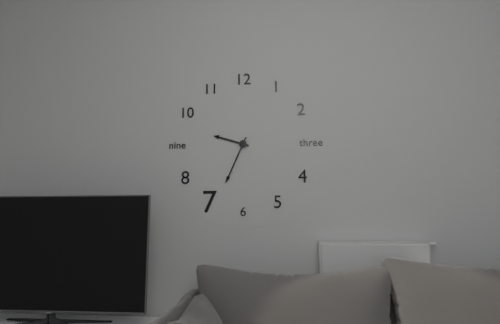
9.34
